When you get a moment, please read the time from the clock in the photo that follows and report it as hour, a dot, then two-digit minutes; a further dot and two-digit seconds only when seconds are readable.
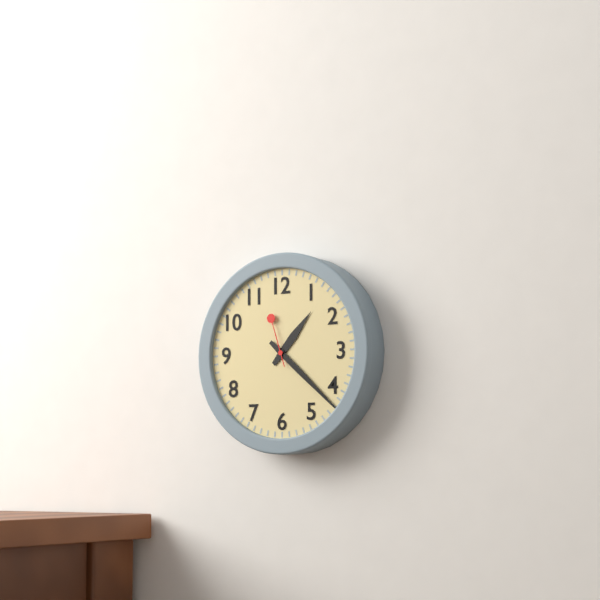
1.22
